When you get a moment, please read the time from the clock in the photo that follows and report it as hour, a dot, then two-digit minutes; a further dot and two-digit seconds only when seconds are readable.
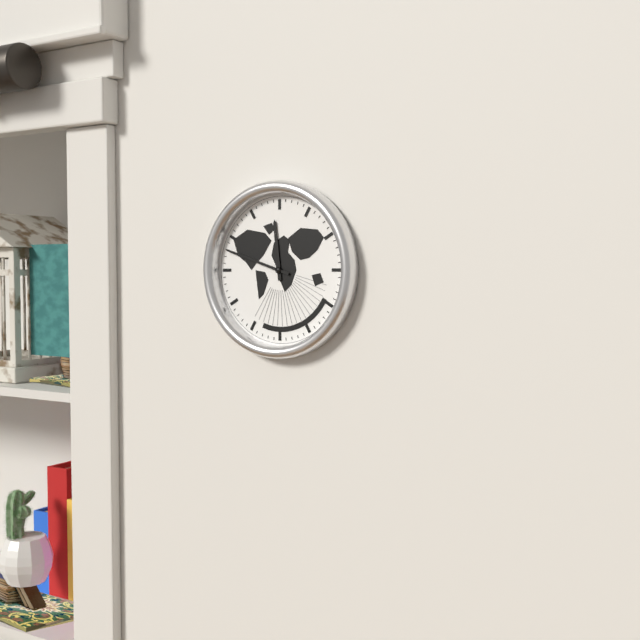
11.48
